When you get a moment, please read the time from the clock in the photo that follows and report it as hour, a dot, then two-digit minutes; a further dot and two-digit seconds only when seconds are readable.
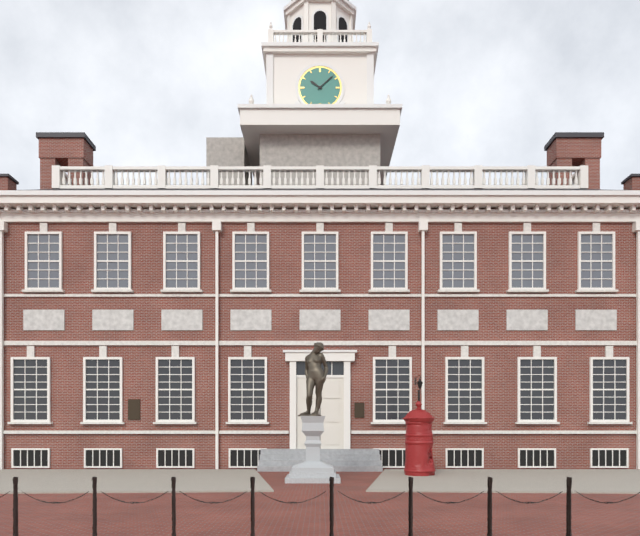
10.08
